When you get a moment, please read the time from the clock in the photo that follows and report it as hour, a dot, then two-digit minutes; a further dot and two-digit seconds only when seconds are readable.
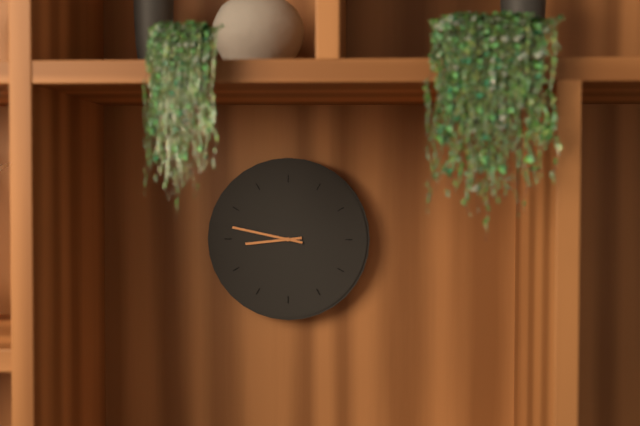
8.47
